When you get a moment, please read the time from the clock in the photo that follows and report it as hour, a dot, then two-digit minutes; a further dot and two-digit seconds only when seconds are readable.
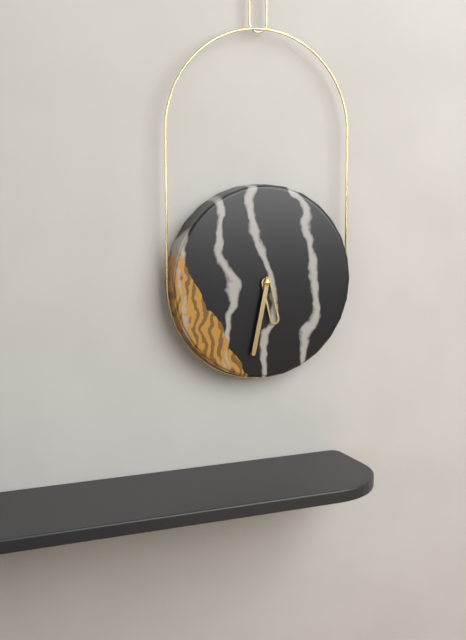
5.32
